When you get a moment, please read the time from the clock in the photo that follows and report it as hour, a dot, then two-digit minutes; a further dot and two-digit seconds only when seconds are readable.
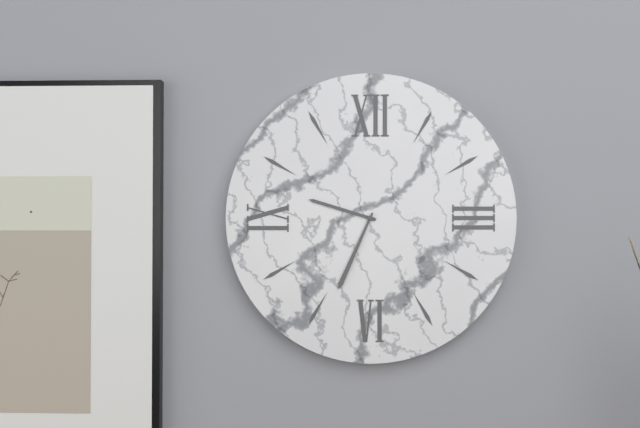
9.34
